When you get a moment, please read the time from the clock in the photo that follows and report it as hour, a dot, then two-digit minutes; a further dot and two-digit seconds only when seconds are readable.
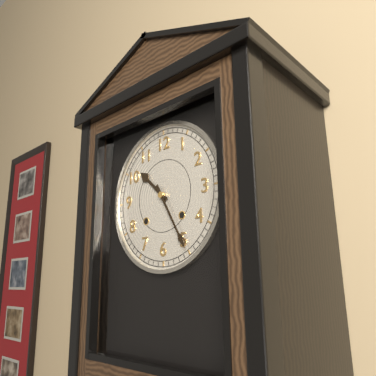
10.25
